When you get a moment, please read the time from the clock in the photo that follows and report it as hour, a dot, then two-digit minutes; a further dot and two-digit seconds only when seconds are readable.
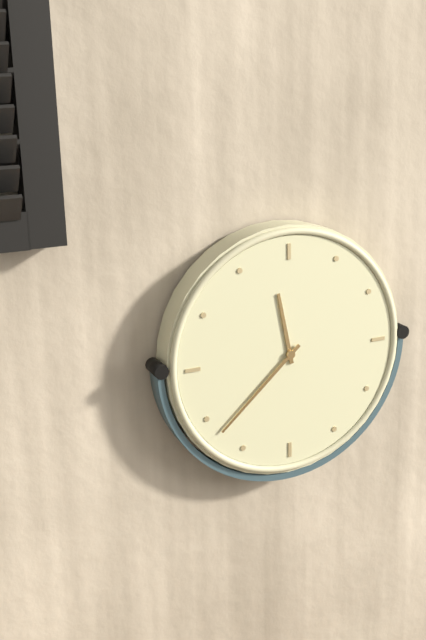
11.38
